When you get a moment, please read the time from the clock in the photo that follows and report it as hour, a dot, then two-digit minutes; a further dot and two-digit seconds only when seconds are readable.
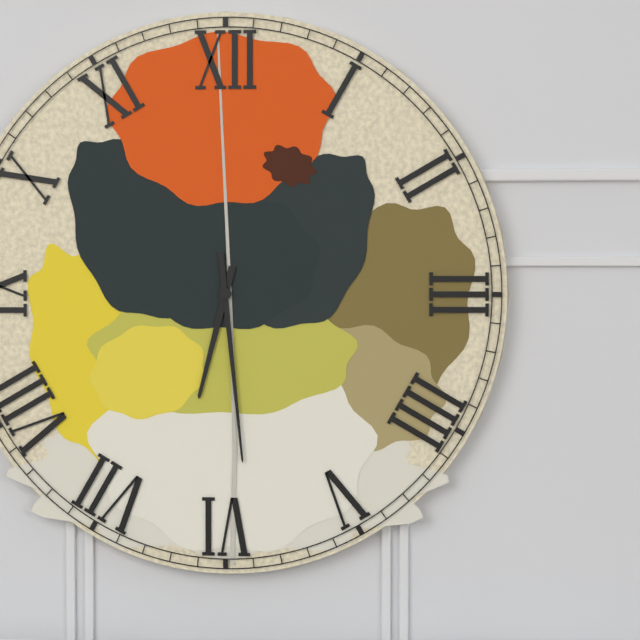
6.29
